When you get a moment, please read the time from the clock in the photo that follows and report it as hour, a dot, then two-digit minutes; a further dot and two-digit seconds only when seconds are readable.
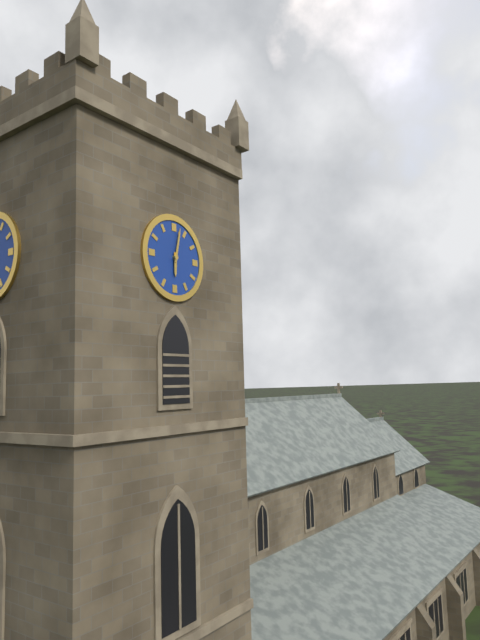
6.02
